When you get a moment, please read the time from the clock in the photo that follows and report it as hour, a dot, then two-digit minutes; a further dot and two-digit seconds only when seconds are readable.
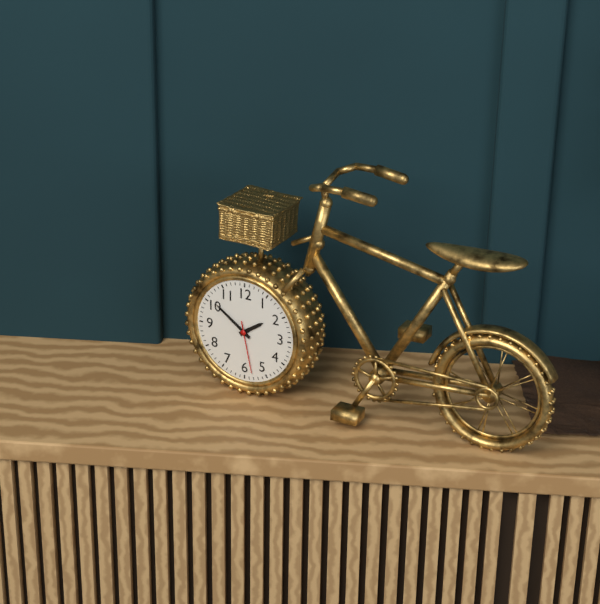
1.51.28
